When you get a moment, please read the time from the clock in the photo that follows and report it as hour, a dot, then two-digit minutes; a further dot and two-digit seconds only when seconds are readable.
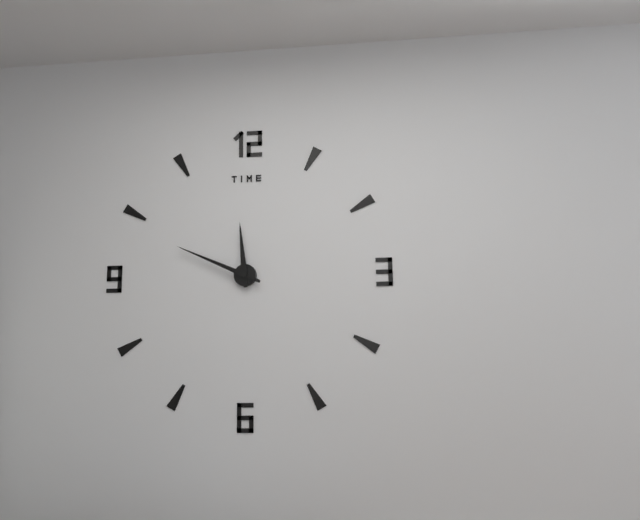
11.49
